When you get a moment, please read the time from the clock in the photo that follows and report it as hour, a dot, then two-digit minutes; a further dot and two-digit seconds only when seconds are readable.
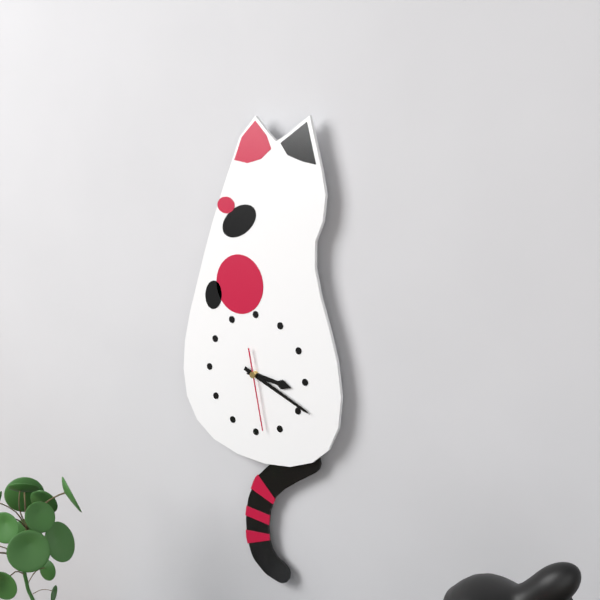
3.19.28
